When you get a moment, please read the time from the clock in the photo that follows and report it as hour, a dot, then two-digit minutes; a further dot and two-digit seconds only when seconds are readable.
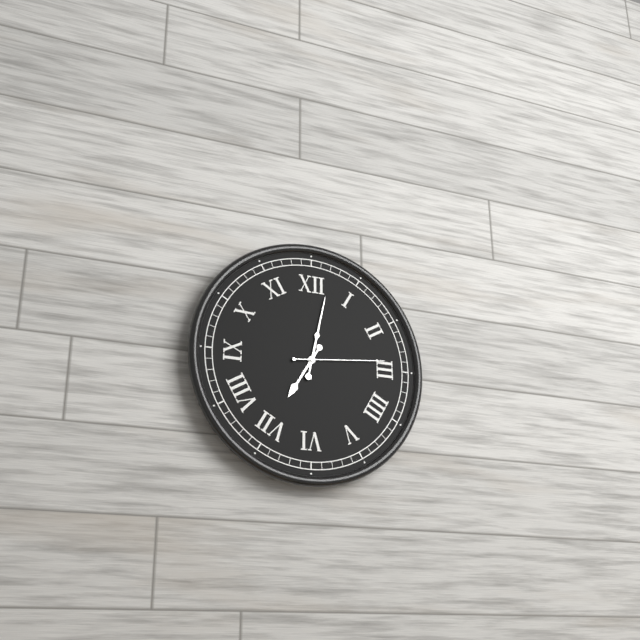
7.02.14
